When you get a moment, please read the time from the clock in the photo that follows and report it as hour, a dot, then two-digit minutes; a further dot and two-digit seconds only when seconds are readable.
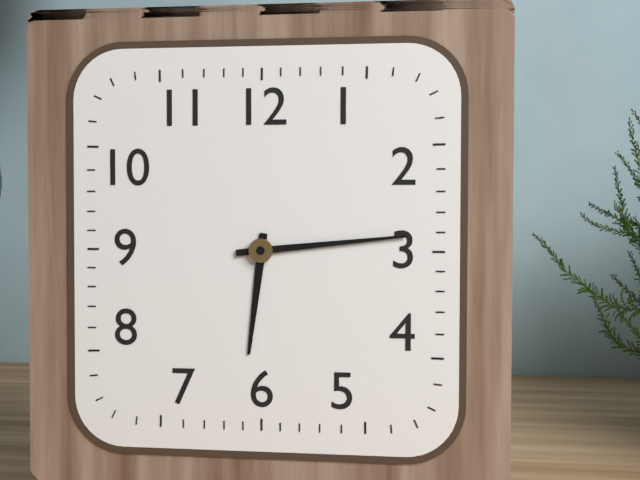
6.14
